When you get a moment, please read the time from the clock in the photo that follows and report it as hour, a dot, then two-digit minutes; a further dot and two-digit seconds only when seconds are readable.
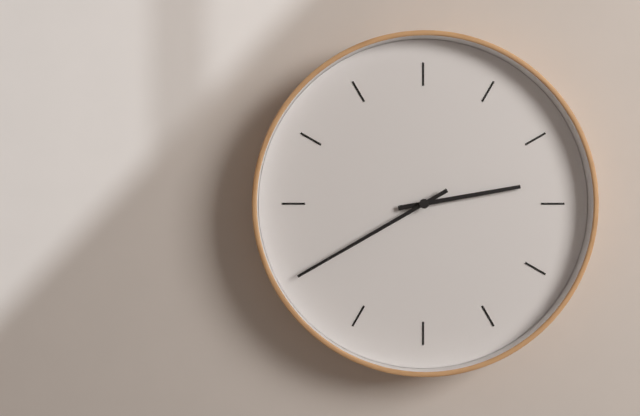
2.40
